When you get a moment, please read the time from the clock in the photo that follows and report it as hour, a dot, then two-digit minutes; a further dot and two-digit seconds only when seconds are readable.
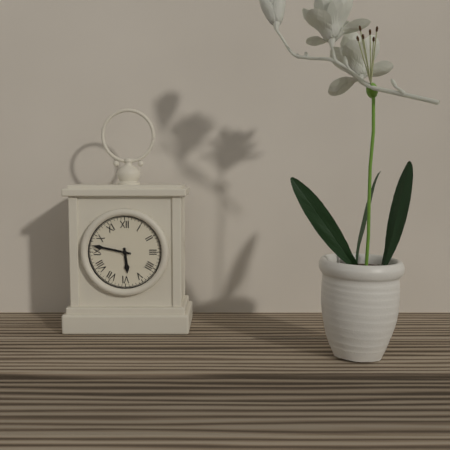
5.47
